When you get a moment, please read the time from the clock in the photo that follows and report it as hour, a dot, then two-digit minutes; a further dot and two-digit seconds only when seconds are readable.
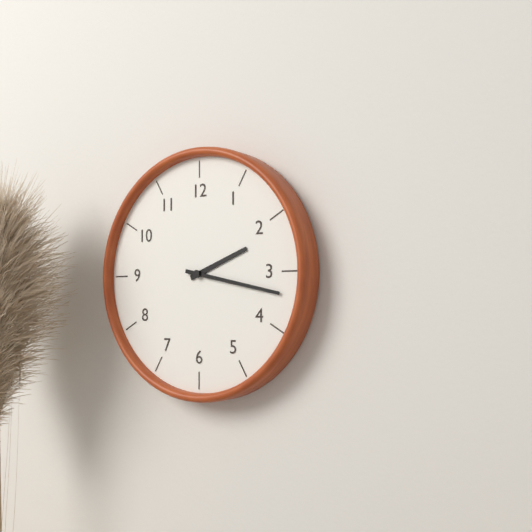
2.17
